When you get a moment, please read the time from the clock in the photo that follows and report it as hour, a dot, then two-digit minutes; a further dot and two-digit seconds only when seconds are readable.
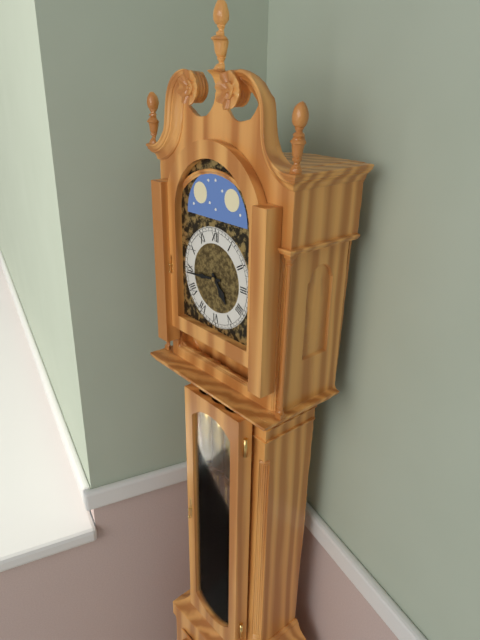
4.44
